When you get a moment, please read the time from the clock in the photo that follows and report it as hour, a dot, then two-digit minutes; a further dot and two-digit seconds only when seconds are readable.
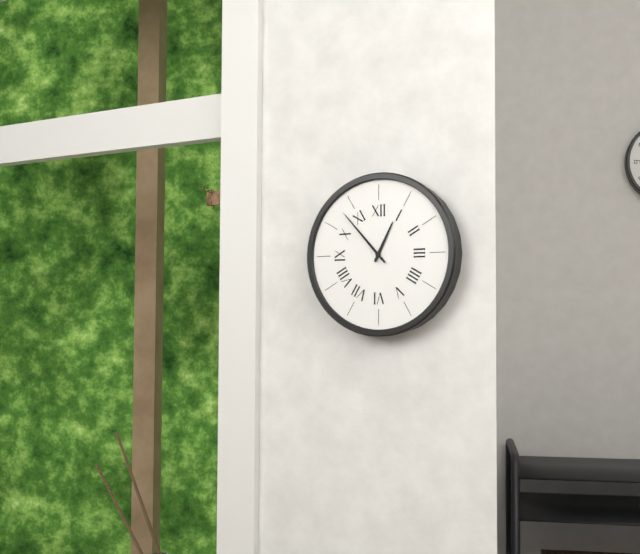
12.53
